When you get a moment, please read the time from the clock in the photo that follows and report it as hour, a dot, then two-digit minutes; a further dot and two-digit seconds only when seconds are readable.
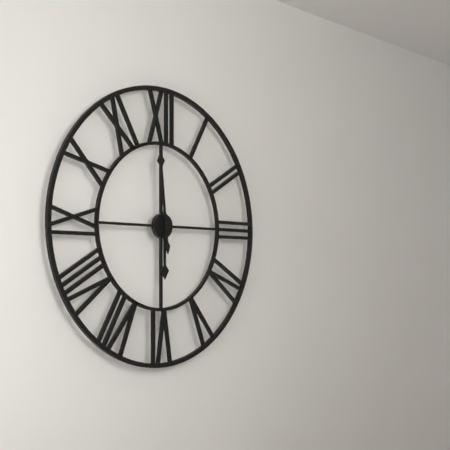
5.59
